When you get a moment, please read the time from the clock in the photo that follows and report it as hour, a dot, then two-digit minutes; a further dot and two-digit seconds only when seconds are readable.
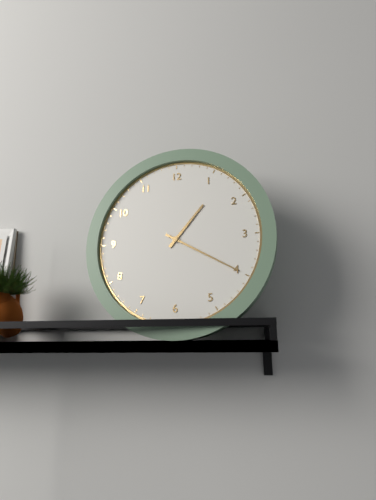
1.20
